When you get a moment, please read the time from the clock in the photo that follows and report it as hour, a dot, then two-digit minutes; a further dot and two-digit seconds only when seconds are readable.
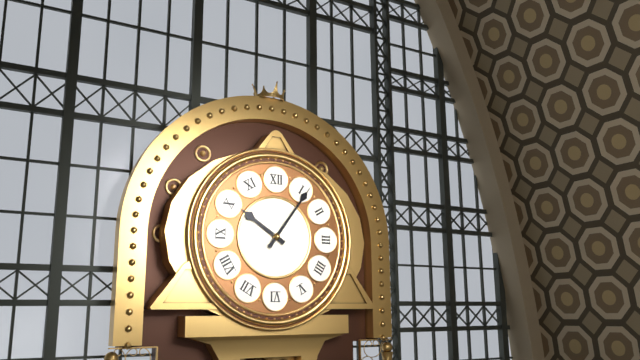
10.06
